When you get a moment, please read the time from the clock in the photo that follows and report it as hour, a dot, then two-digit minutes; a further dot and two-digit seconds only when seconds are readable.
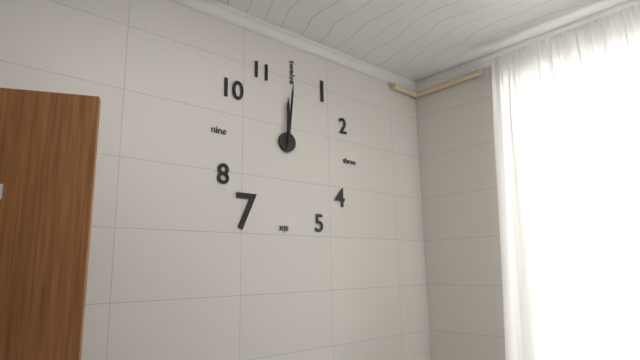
12.01
